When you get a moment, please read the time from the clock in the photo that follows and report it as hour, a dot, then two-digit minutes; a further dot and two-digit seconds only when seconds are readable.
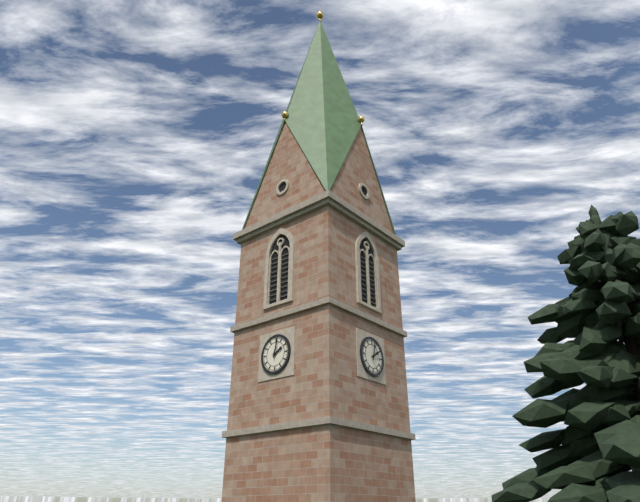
2.02
